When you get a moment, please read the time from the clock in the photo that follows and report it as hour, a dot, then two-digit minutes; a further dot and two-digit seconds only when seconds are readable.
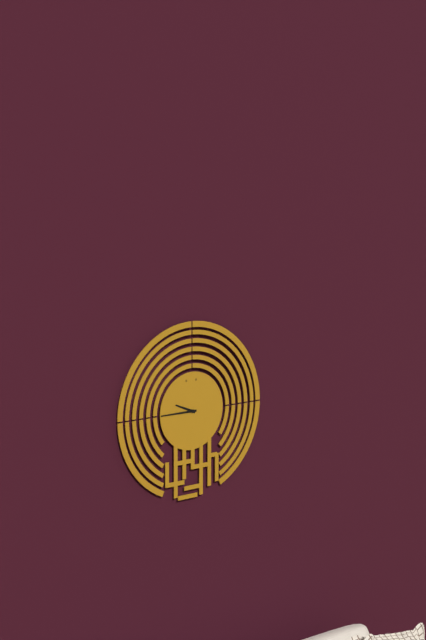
9.45
